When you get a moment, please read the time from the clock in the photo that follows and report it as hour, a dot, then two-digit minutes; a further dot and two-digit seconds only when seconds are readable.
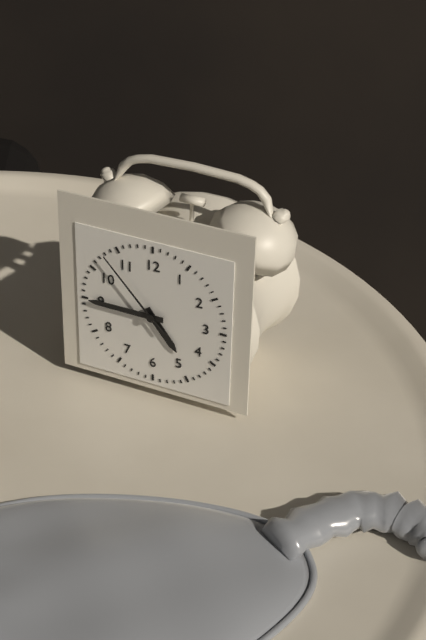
4.45.53
